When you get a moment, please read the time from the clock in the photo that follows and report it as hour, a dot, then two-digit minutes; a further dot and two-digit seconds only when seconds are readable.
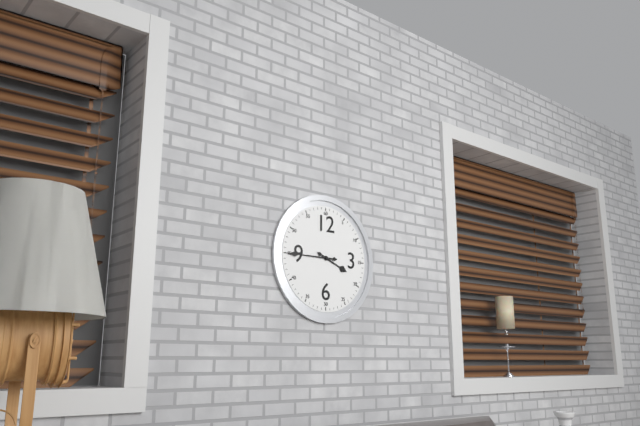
3.45
